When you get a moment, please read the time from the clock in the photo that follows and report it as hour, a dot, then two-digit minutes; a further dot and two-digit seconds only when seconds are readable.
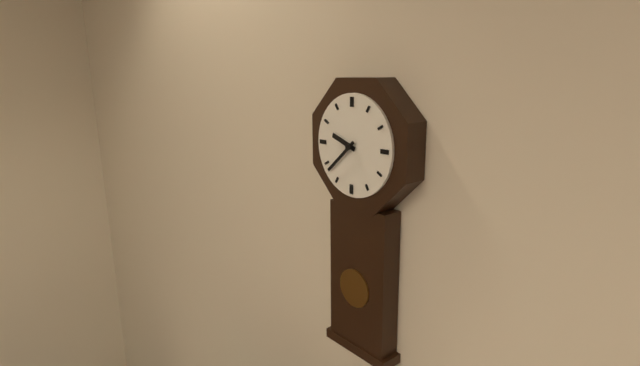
9.38
